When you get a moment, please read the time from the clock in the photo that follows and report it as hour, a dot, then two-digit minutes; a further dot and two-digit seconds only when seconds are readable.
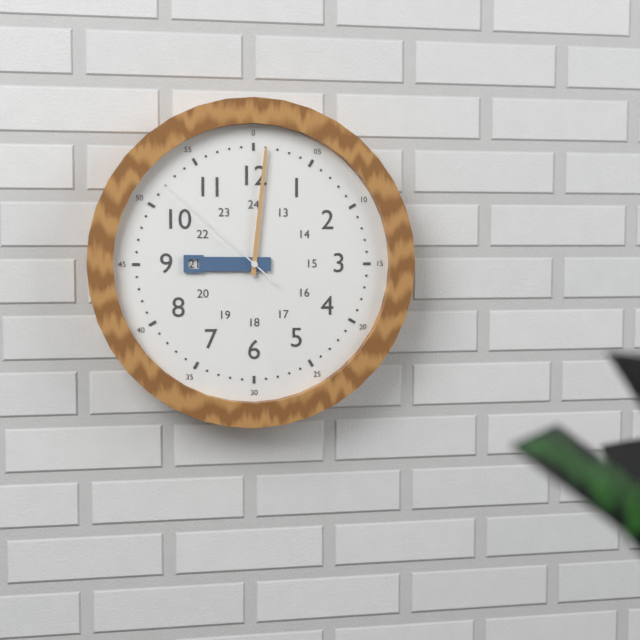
9.01.52
